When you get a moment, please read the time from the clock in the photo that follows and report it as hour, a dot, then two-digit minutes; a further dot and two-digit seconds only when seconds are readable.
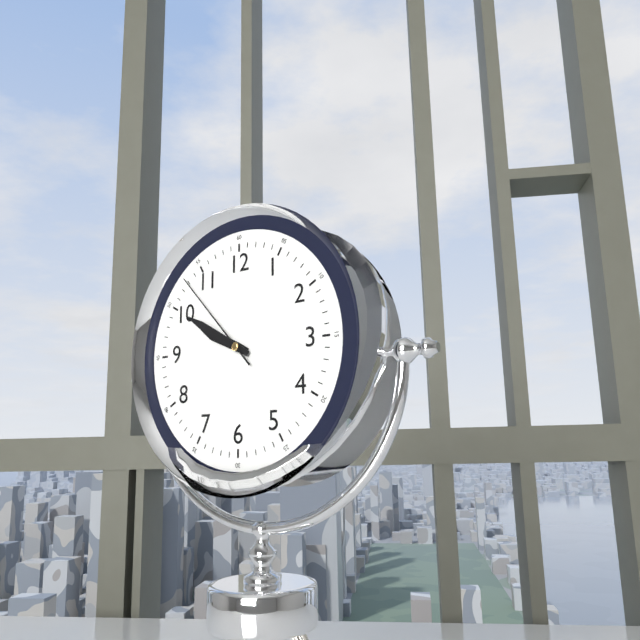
9.50.53
